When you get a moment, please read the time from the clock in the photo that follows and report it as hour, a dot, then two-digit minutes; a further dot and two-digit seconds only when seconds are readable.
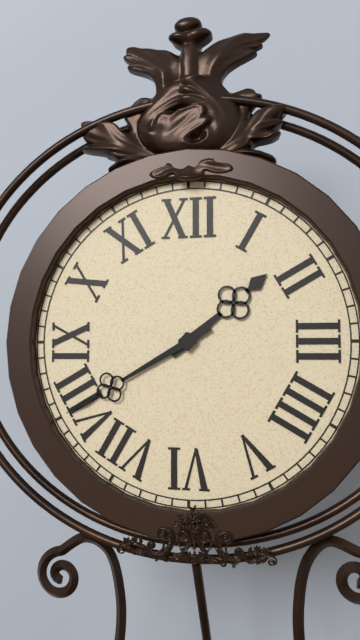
1.40
